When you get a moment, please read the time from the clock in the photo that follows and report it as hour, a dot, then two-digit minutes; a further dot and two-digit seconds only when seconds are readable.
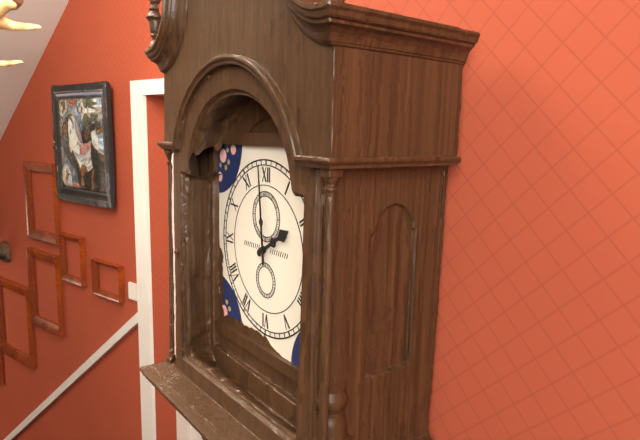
1.59
